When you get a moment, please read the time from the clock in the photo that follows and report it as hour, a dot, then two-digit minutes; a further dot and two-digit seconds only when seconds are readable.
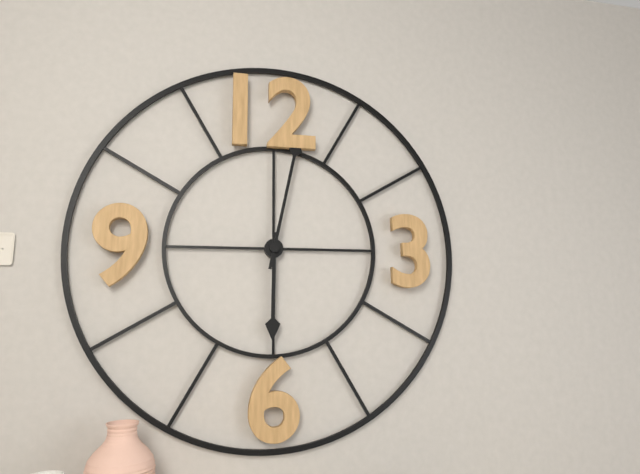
6.02
